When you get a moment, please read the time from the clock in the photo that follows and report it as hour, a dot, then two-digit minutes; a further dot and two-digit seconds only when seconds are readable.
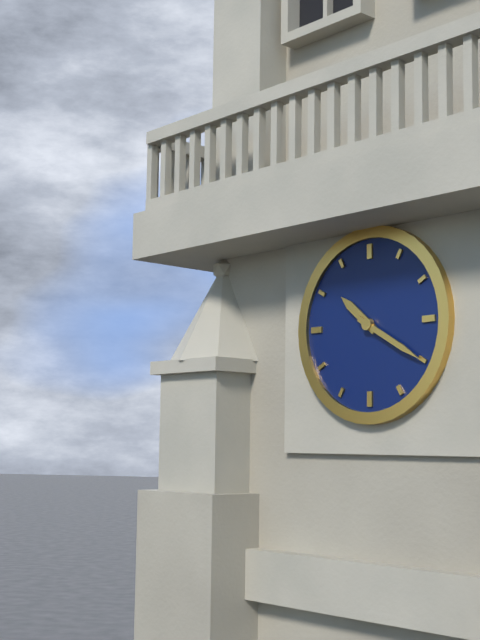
10.20
